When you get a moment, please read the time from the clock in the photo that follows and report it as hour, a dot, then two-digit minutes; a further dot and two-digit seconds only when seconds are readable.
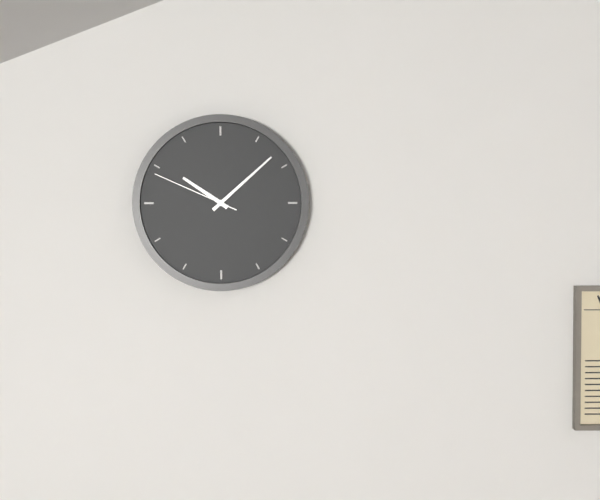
10.08.49
